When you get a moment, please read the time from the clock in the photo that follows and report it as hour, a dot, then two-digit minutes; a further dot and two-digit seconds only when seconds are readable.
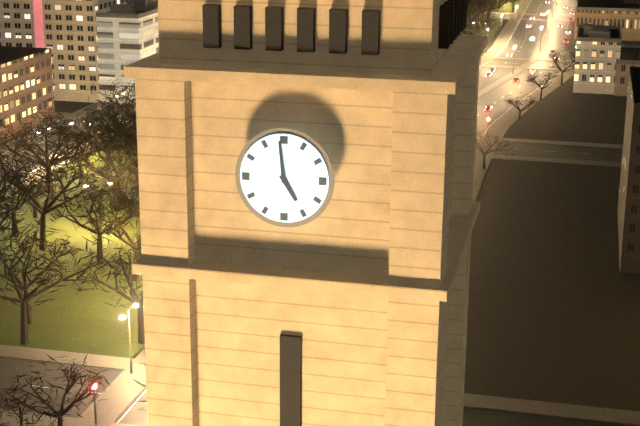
4.59
